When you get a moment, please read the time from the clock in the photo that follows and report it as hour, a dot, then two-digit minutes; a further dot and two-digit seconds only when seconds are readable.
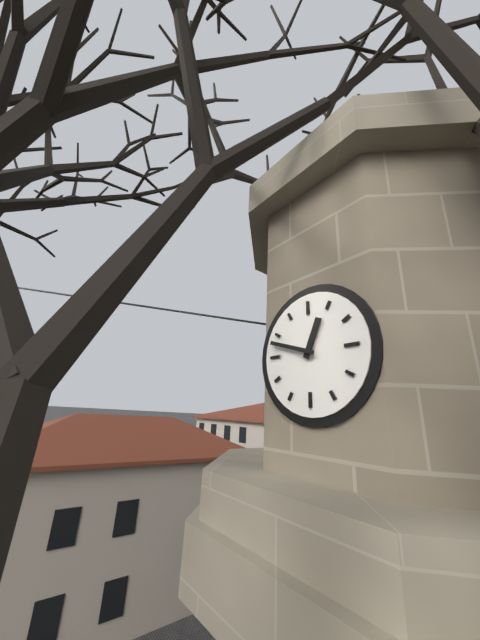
12.48
